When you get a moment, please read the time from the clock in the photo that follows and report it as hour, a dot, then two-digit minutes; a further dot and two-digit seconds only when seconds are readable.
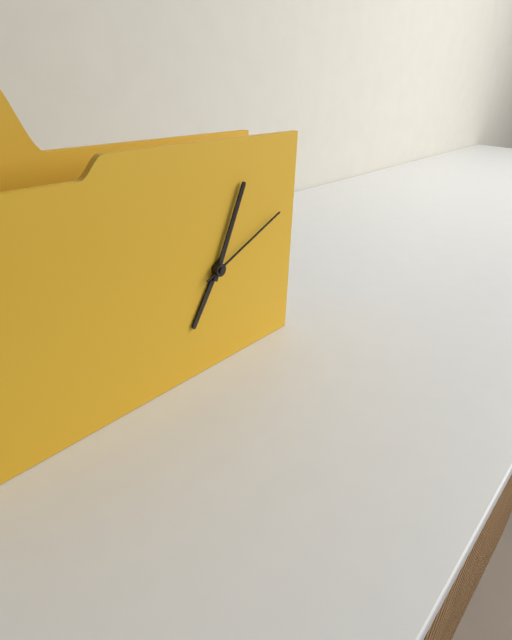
7.04.11
